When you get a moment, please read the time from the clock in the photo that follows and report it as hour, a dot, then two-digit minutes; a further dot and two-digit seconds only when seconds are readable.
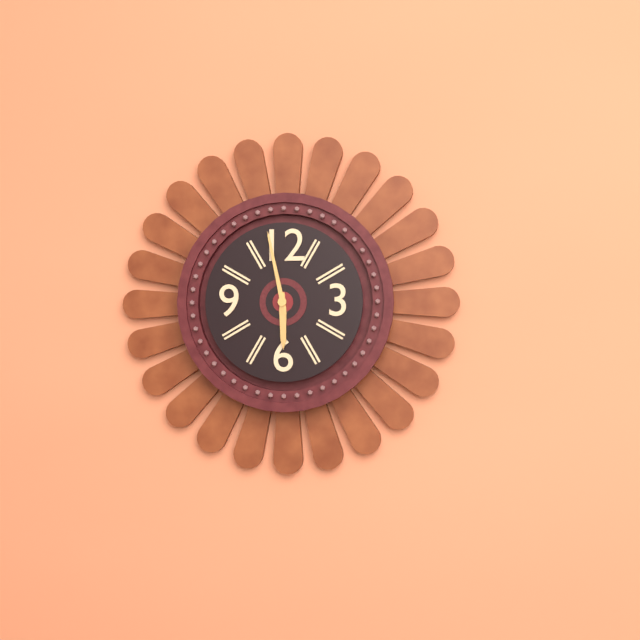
5.58
